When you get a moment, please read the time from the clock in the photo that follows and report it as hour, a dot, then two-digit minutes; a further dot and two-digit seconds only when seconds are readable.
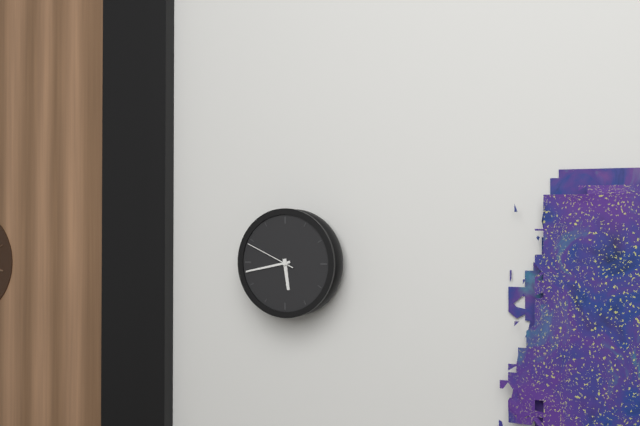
5.43.49
